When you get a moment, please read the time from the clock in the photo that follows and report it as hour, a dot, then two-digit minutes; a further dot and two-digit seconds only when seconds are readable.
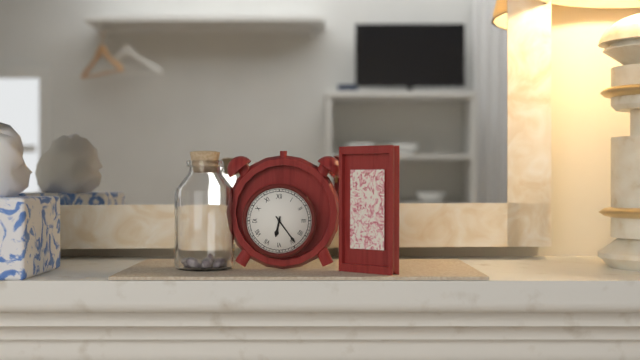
6.24
